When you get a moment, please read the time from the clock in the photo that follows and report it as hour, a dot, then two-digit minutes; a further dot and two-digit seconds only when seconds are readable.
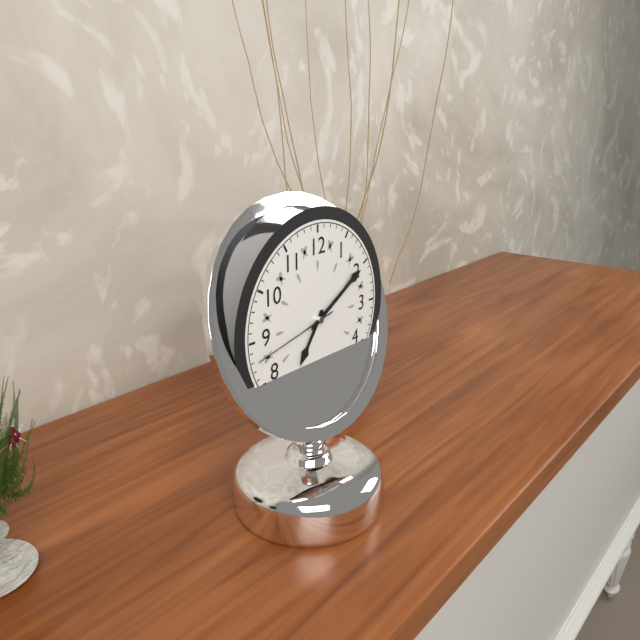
7.10.43
